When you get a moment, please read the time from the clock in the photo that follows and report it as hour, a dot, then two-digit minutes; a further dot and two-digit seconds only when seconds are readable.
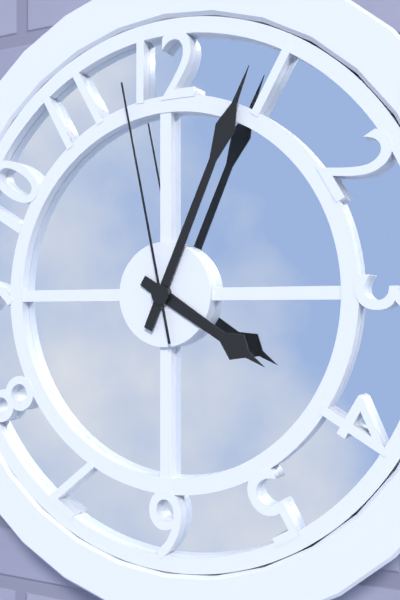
4.04.58
